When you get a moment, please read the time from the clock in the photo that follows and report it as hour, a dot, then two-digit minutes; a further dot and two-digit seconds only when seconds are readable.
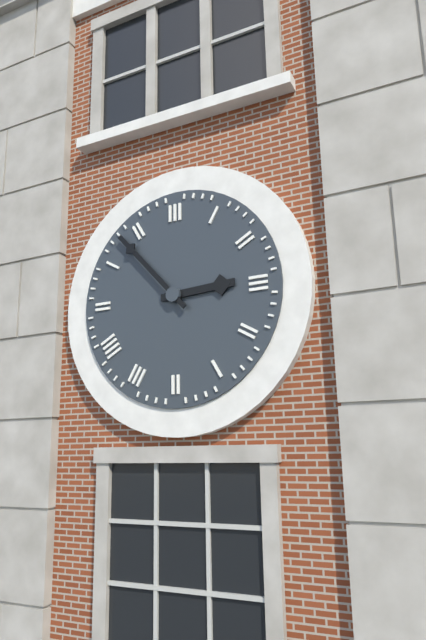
2.53
